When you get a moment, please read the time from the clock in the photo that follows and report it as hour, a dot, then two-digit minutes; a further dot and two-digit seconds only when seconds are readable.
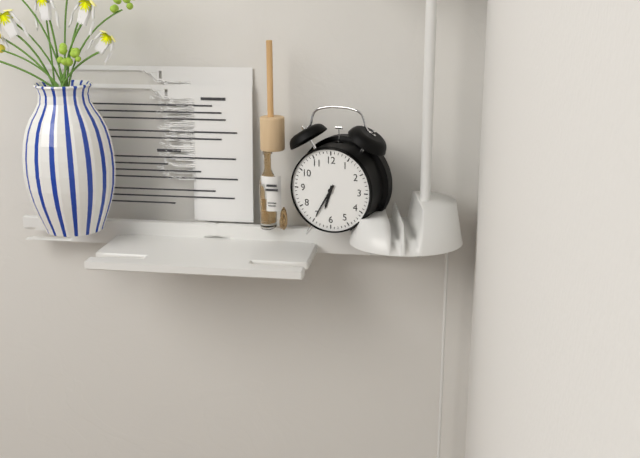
6.35
